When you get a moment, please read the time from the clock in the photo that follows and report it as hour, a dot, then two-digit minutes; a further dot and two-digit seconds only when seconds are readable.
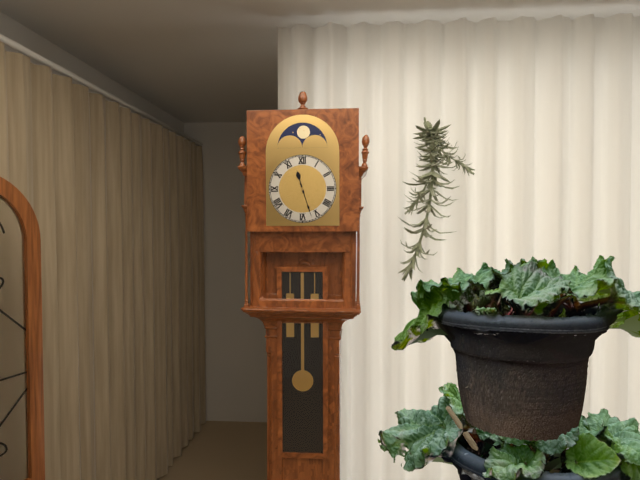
11.27
